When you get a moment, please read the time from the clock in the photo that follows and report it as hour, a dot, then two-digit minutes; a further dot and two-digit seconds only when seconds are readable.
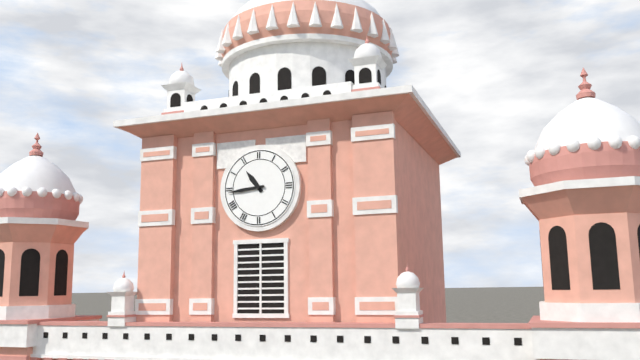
10.44
